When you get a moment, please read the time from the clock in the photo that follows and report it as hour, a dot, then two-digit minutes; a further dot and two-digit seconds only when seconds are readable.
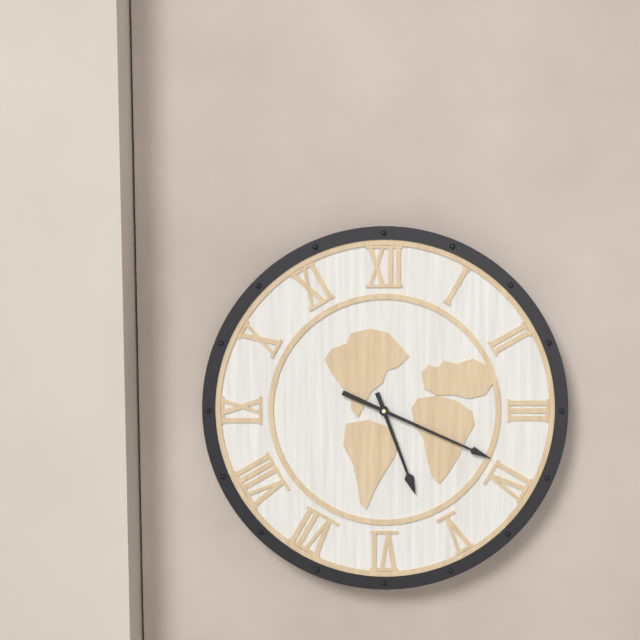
5.19
